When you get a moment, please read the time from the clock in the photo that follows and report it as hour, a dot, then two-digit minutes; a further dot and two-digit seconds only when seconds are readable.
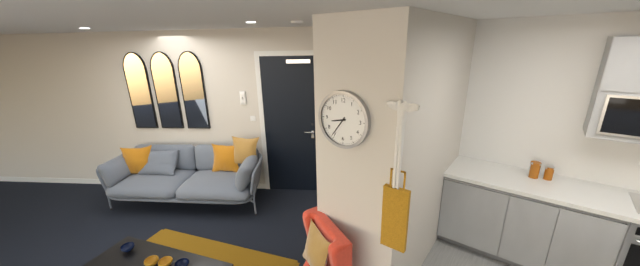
8.36
